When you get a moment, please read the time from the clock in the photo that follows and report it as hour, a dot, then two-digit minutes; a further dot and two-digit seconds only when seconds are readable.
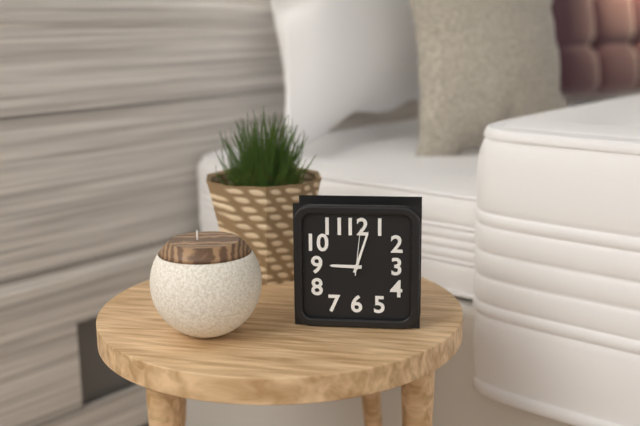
9.03
